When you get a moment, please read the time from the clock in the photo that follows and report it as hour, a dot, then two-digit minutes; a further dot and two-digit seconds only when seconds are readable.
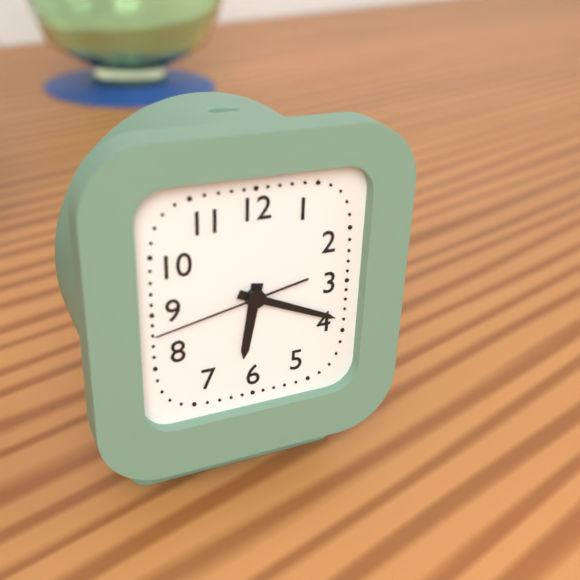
6.19.43
